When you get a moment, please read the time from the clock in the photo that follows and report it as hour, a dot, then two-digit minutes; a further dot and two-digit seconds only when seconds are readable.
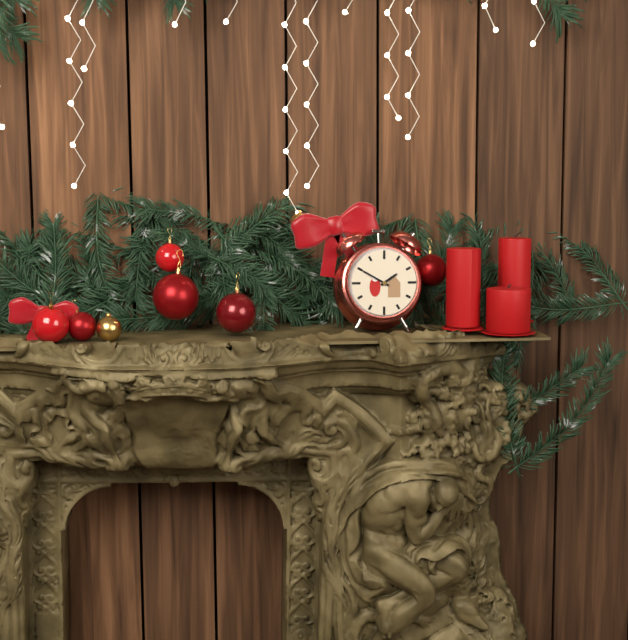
1.50
